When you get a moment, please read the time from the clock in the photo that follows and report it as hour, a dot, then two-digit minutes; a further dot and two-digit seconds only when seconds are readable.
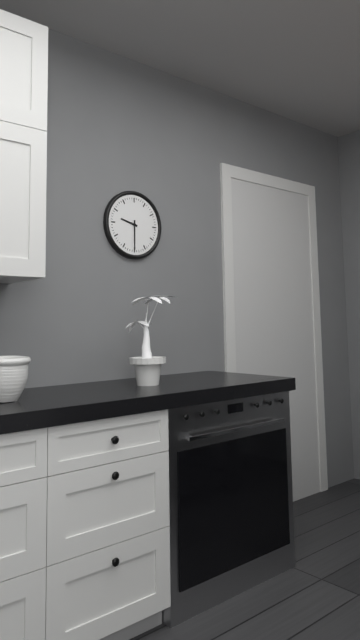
9.30
